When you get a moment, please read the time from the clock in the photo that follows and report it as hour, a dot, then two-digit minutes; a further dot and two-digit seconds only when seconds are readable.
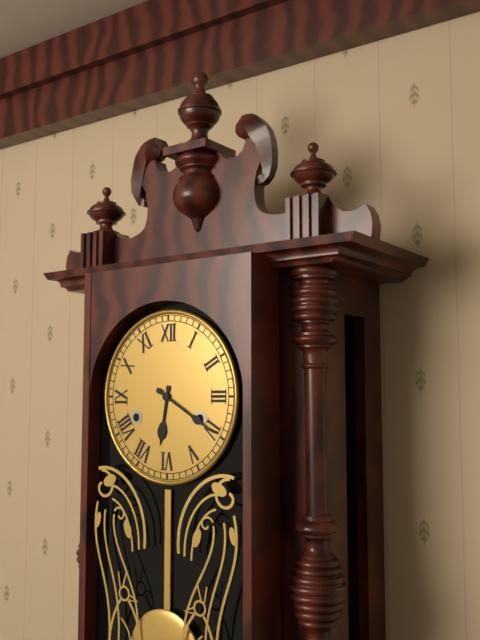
6.20
